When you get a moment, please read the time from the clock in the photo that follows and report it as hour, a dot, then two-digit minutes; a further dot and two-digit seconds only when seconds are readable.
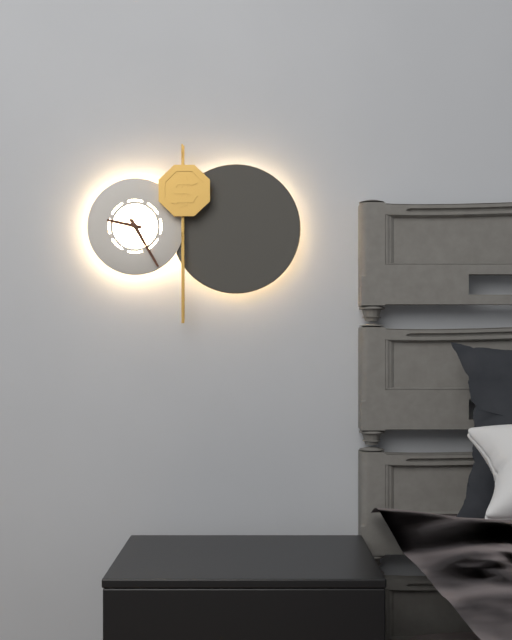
9.25
